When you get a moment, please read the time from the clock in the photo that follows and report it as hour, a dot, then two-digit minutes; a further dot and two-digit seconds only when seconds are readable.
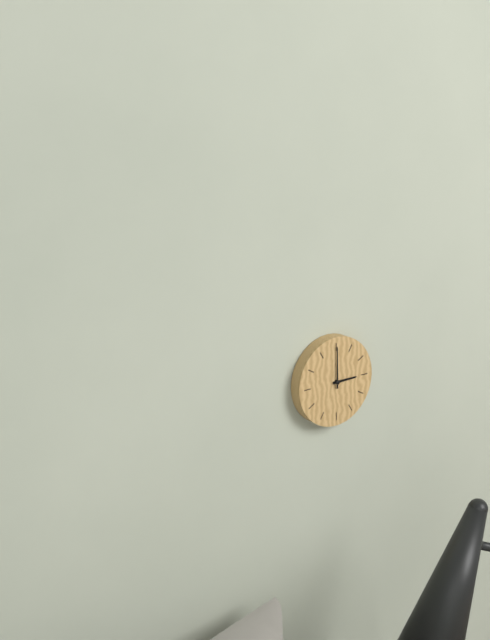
3.00
